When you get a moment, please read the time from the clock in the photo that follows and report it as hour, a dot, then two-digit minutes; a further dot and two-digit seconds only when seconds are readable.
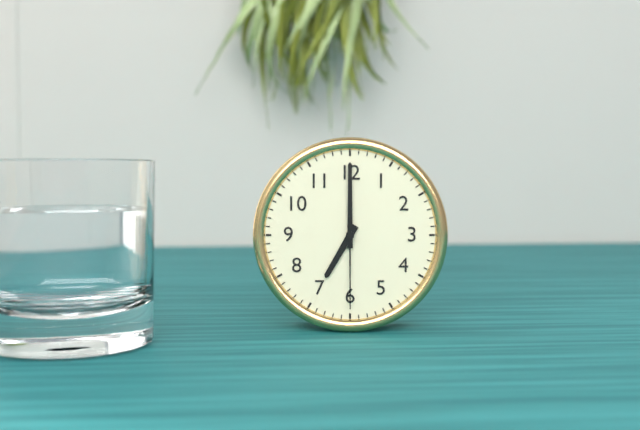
7.00.30
